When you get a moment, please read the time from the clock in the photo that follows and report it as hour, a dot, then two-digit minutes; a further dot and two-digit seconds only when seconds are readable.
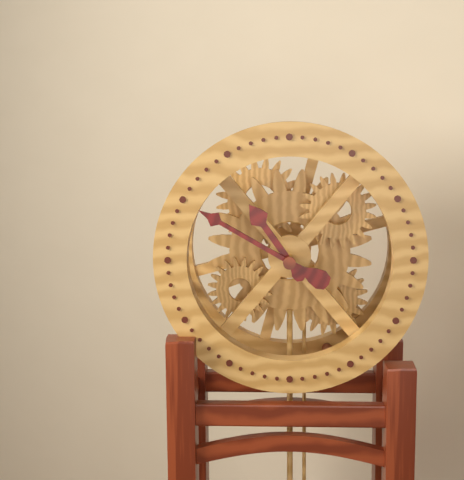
10.50
